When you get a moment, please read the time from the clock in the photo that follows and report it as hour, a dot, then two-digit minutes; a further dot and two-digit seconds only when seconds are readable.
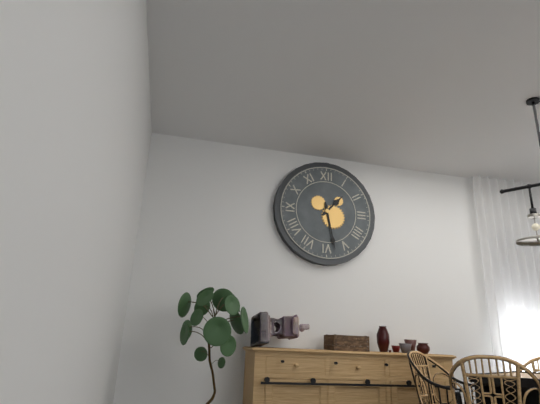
1.28
